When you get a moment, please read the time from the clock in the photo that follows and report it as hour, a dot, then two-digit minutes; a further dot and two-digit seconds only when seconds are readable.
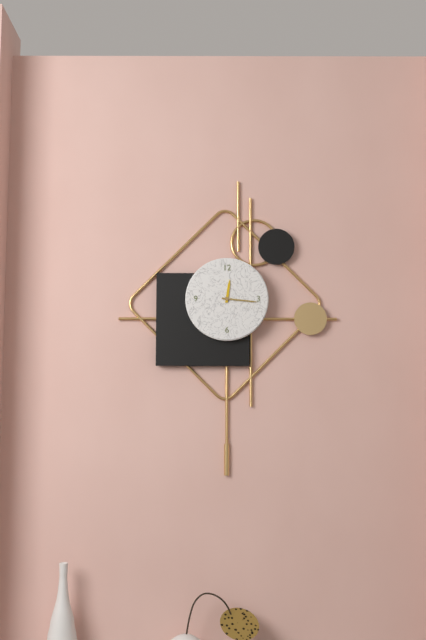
12.16
